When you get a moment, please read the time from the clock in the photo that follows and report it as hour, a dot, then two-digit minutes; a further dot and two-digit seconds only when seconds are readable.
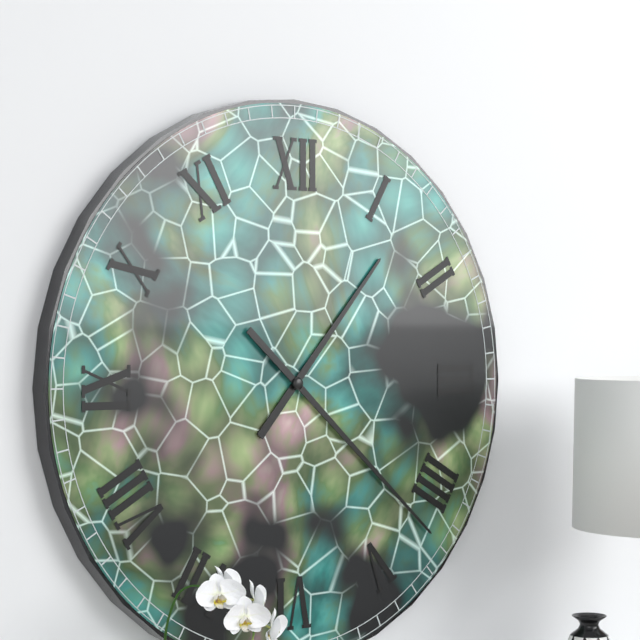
1.22
